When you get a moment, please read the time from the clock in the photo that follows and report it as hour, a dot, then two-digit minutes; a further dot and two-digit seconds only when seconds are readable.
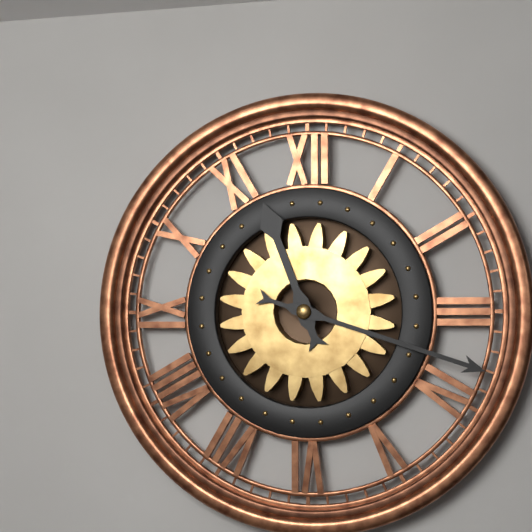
11.18
